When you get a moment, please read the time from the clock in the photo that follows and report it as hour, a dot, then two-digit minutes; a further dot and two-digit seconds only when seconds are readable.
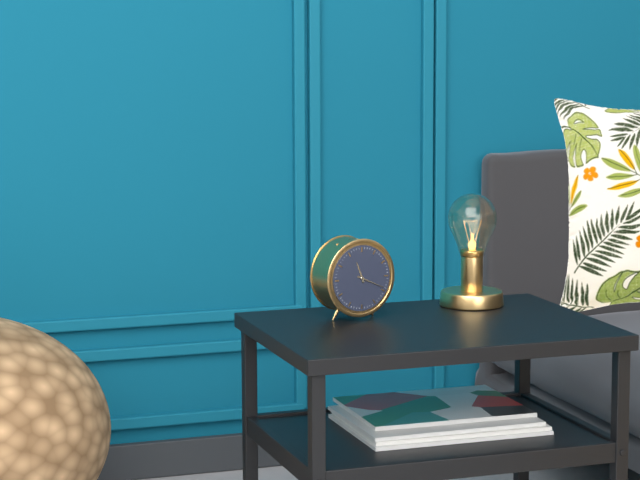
11.19
